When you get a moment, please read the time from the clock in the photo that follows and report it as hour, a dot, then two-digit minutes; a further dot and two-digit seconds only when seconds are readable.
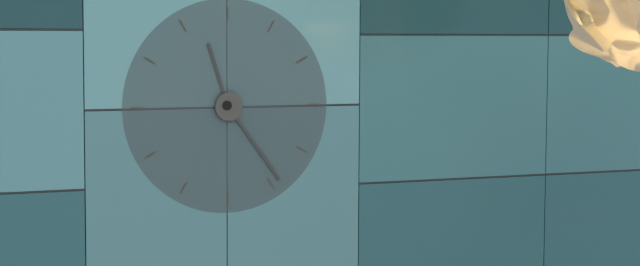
11.24
